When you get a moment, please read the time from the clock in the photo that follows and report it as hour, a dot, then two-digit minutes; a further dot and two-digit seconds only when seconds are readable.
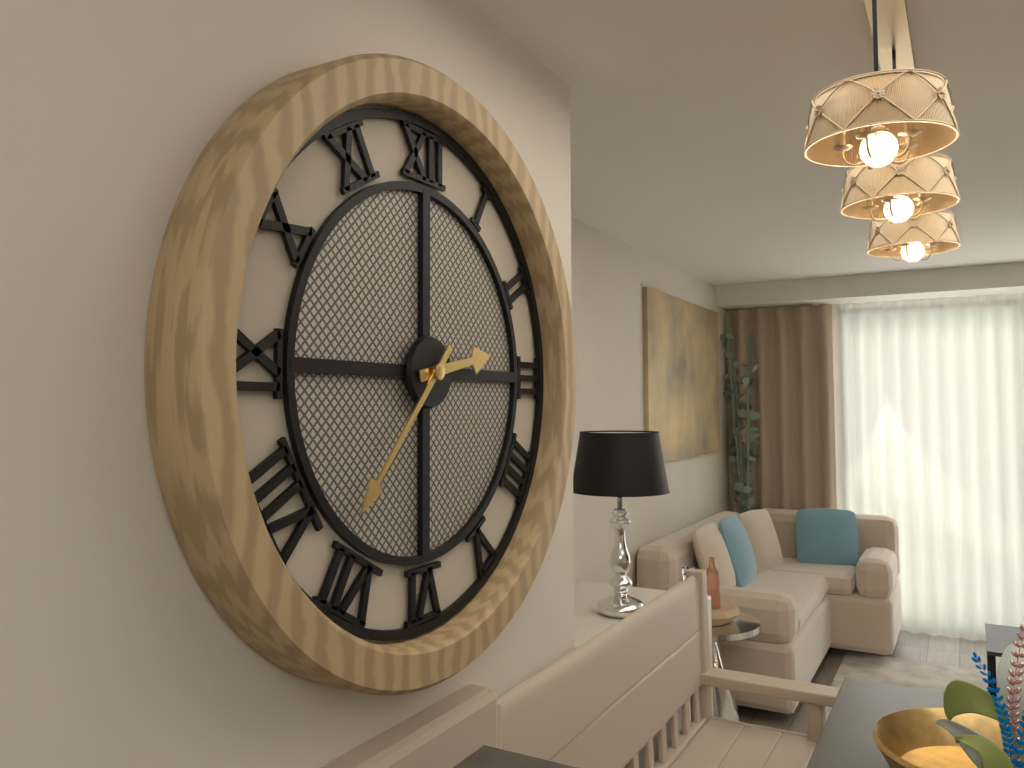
2.37
